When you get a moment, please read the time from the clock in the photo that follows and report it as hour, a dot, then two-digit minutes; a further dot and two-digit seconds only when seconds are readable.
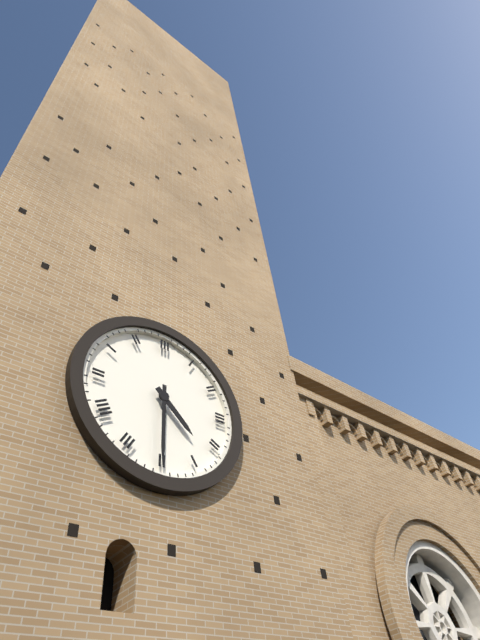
4.30
